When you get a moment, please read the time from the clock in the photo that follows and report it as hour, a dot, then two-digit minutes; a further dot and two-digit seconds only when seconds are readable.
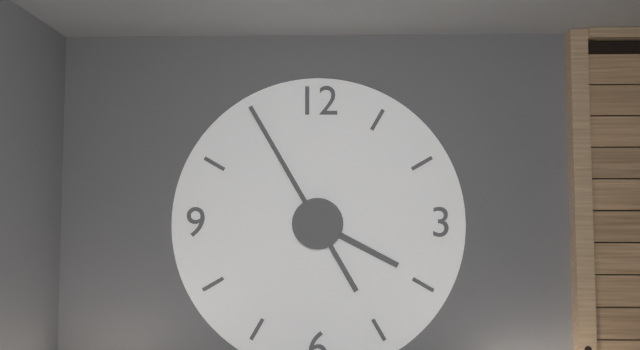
3.55
